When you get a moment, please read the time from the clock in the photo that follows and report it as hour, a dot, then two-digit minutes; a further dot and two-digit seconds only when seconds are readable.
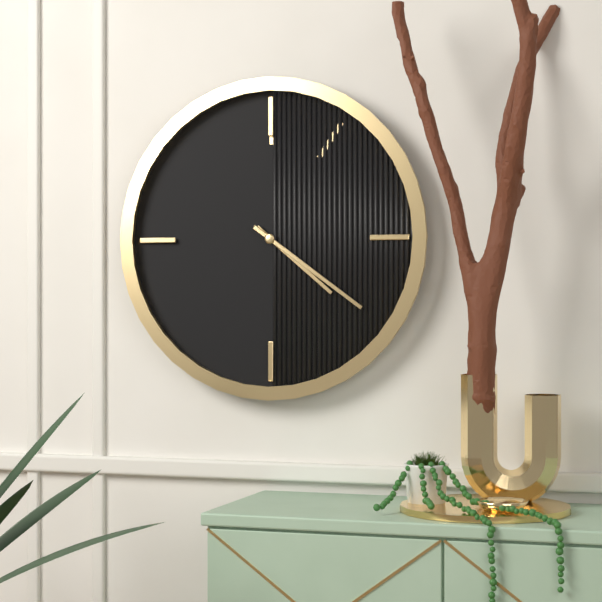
4.21
